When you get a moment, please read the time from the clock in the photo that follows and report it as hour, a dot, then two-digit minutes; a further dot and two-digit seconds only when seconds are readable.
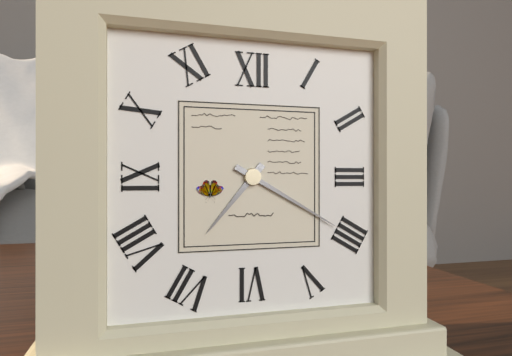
7.20
